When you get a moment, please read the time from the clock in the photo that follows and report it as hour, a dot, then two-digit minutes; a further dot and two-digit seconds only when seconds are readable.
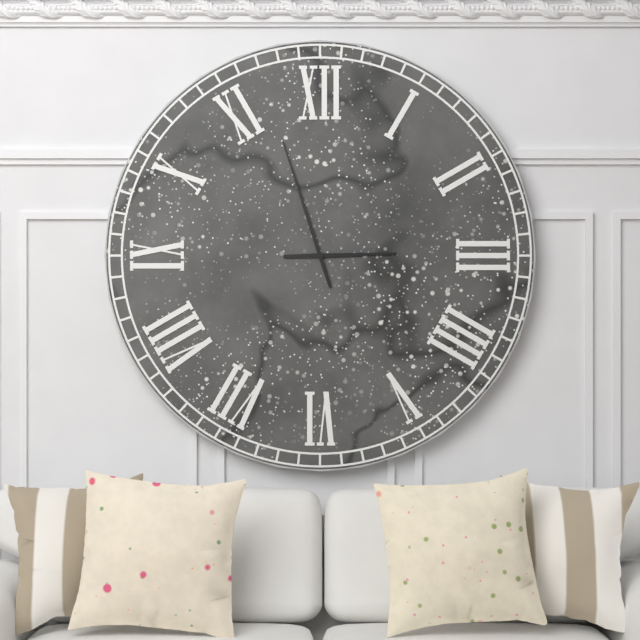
2.57
